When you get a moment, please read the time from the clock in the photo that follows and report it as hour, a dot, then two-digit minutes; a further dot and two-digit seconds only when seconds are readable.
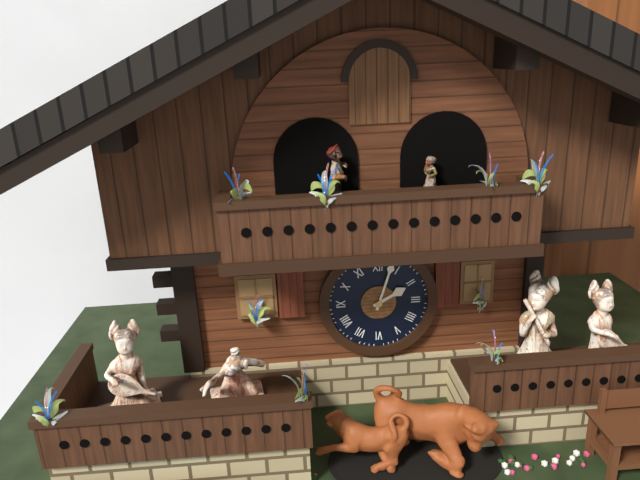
2.03
